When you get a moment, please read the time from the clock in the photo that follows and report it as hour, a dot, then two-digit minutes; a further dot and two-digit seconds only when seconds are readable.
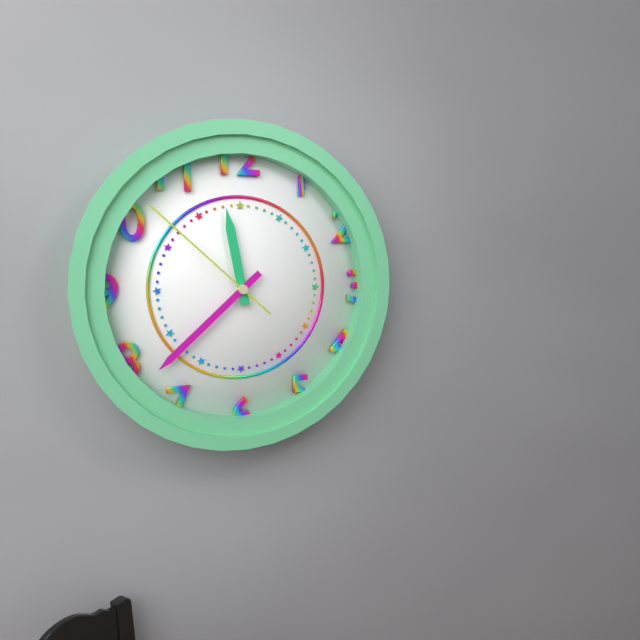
11.38.52
